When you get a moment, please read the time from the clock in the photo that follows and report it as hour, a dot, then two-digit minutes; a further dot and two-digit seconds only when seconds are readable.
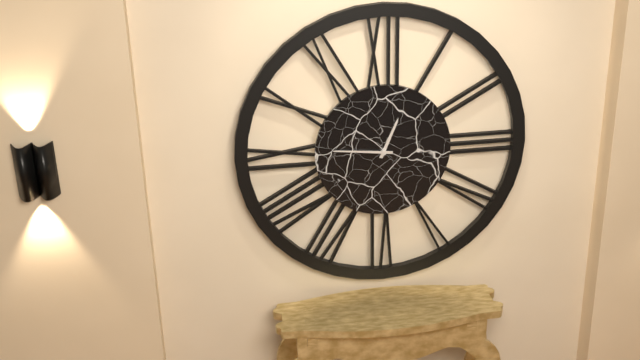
12.46
